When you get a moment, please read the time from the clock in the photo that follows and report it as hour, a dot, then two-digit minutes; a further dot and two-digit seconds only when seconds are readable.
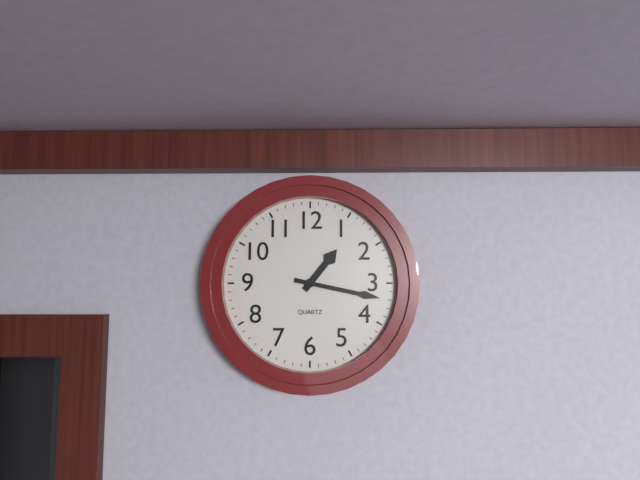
1.17
